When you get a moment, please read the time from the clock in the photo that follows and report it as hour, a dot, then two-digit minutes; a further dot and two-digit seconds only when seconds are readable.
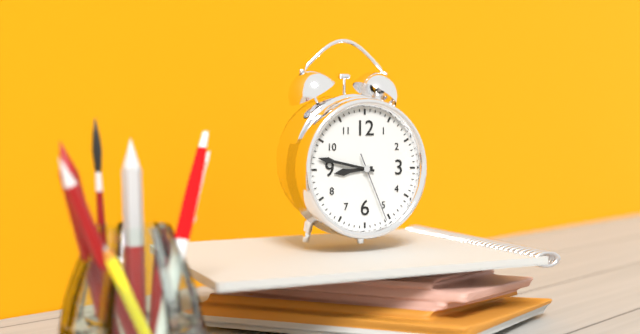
8.47.26
